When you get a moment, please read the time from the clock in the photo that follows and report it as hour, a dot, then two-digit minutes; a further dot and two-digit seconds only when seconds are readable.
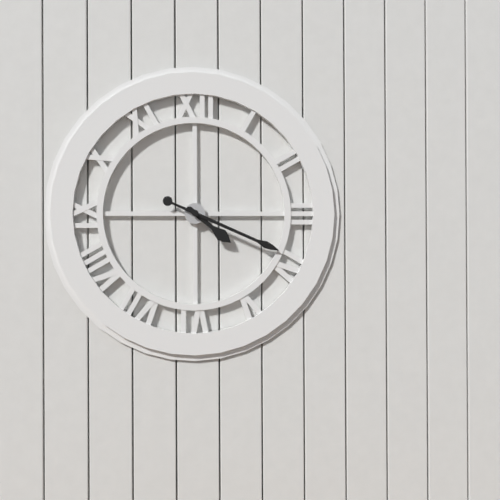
4.19
